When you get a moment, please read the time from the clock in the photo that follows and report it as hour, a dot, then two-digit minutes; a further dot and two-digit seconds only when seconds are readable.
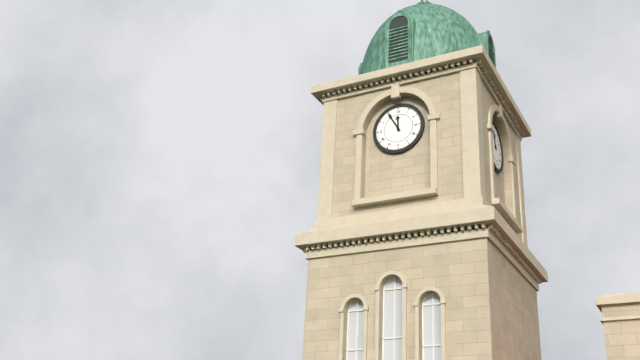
11.55
